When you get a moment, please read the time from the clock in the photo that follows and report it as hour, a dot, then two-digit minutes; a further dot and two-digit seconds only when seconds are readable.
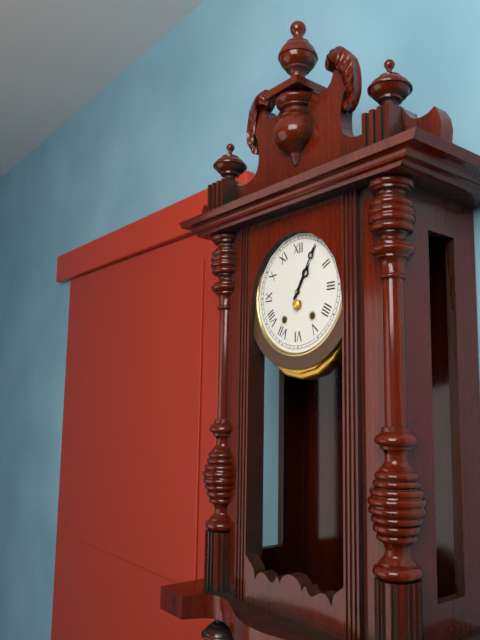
1.05
